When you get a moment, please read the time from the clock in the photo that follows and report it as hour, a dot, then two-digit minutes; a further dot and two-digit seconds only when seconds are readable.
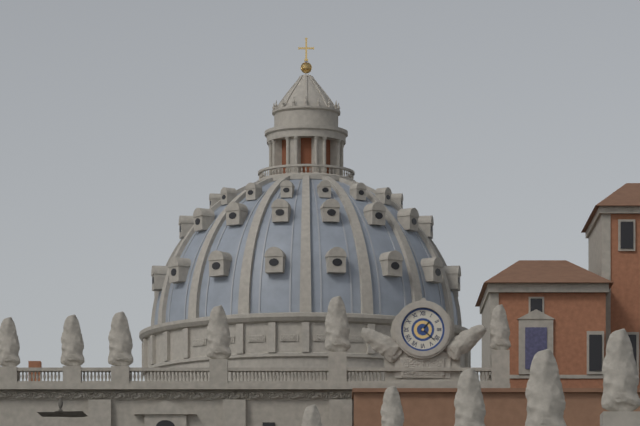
1.22
